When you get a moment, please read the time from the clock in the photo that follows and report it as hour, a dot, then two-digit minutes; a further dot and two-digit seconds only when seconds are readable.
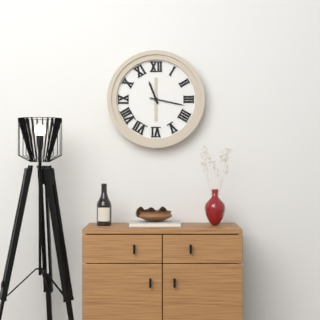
11.17
